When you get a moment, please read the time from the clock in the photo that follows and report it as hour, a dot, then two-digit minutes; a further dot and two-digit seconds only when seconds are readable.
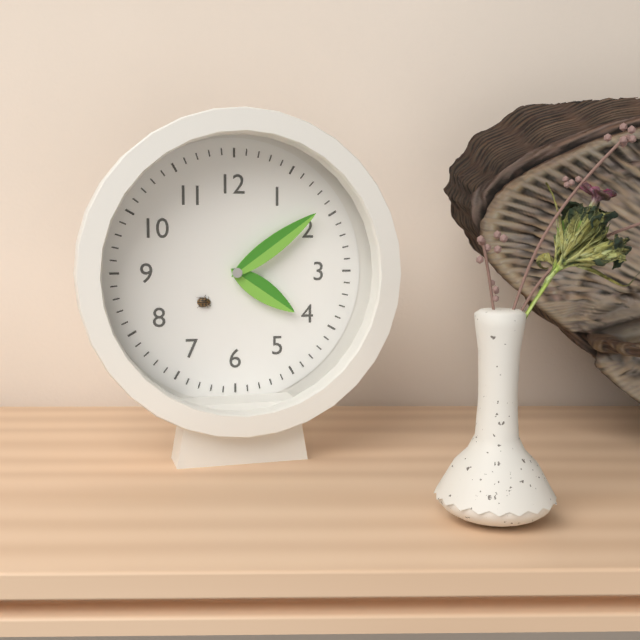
4.09
